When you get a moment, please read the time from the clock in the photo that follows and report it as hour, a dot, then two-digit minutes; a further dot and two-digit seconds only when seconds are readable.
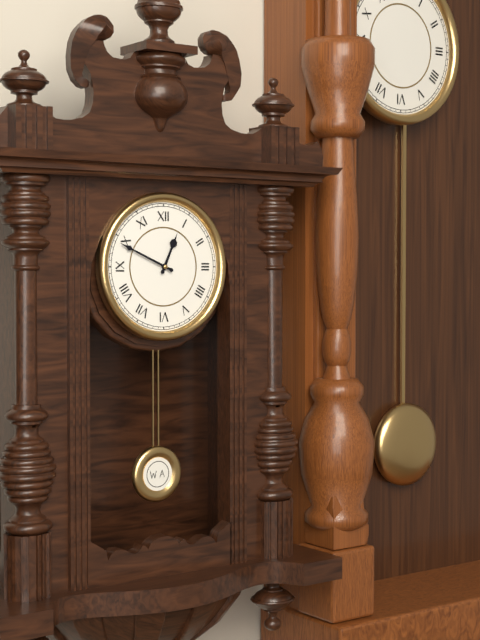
12.49
